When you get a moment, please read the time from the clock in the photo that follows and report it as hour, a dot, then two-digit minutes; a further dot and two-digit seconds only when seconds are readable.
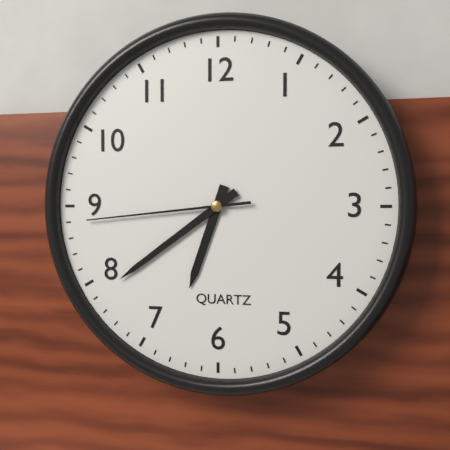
6.39.44
